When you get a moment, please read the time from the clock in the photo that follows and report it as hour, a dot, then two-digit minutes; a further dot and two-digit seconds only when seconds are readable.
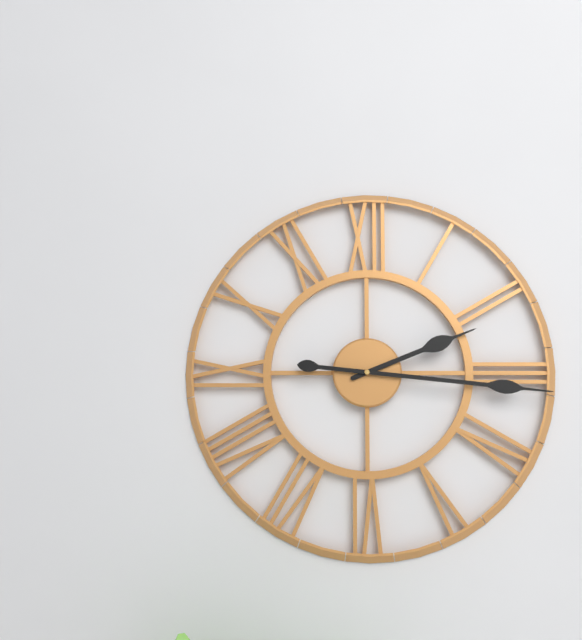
2.16
